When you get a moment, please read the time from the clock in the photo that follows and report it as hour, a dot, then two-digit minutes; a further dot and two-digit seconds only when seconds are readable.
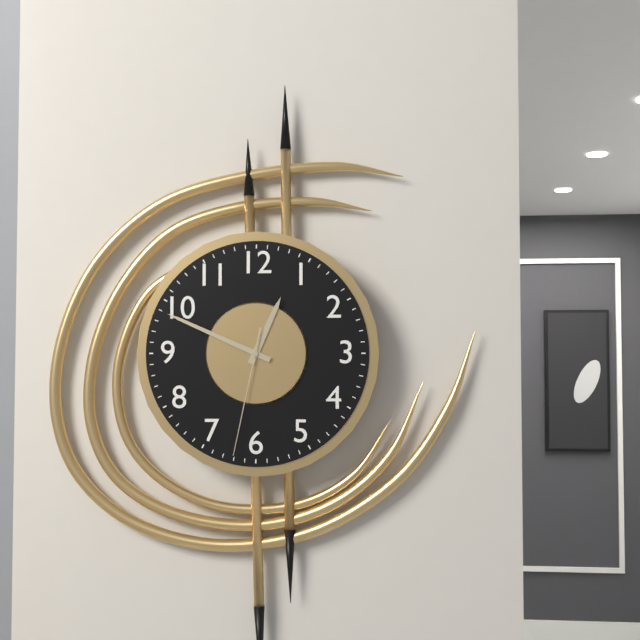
12.49.32
